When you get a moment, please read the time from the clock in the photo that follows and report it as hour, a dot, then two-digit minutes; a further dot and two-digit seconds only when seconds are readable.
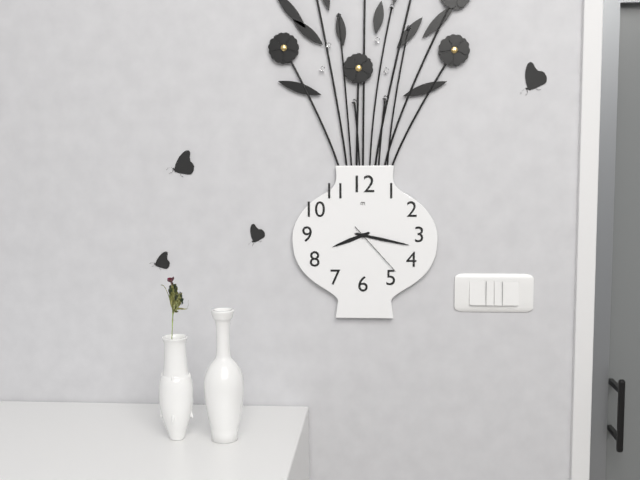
8.17.23
